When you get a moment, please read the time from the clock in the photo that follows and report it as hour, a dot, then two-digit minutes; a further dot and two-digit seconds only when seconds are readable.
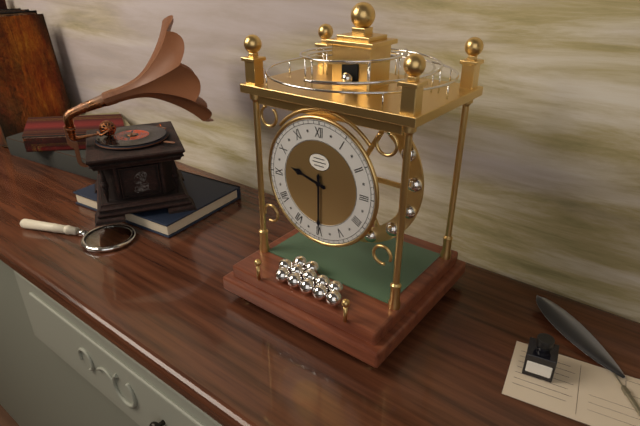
9.30
